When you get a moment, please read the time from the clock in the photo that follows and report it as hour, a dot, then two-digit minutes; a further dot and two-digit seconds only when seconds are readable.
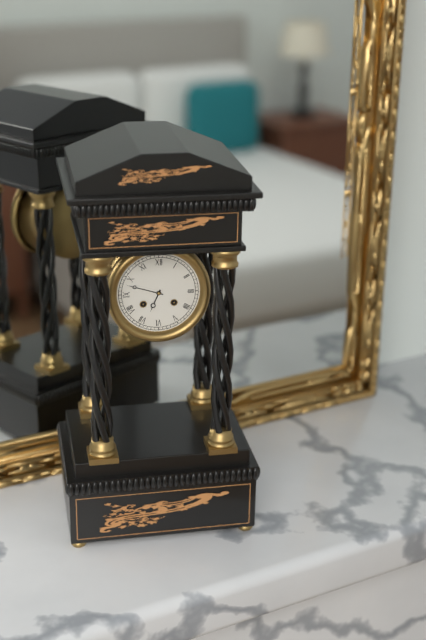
6.48
